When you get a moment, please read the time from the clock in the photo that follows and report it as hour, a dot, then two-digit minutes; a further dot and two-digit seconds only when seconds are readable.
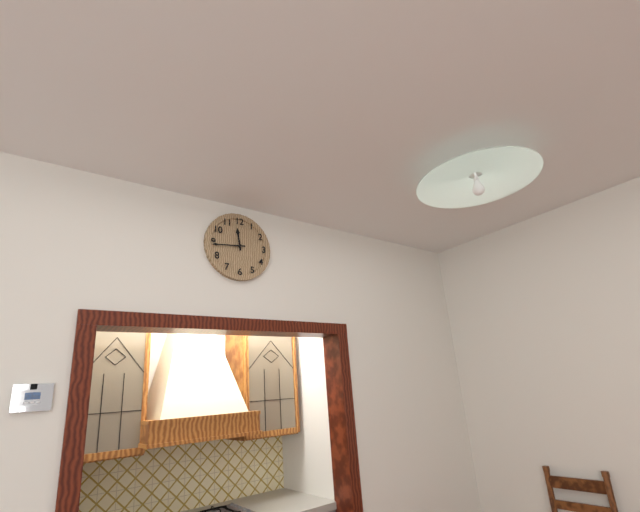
11.44
